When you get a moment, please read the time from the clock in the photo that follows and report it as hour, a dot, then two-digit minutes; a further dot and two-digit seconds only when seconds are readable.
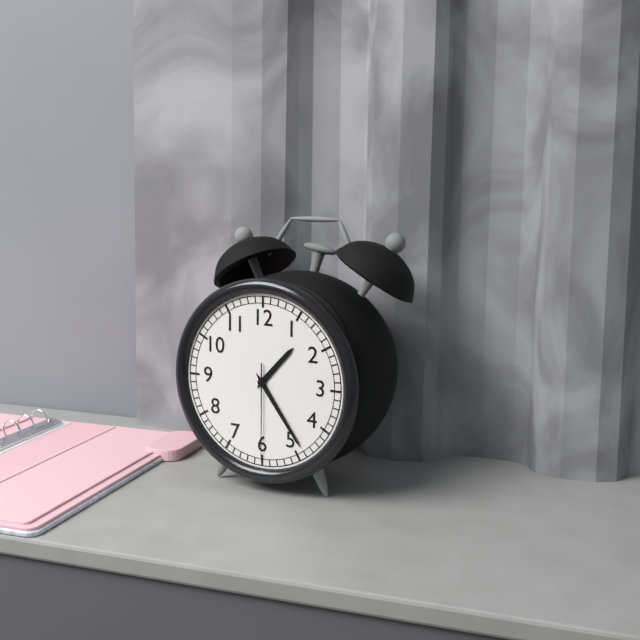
1.24.30
